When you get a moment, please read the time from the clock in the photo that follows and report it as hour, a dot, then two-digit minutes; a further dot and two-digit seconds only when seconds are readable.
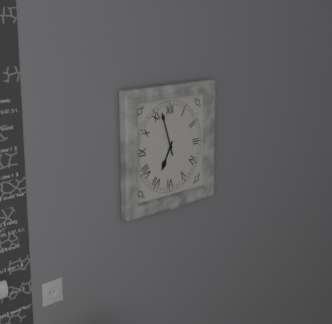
6.57
